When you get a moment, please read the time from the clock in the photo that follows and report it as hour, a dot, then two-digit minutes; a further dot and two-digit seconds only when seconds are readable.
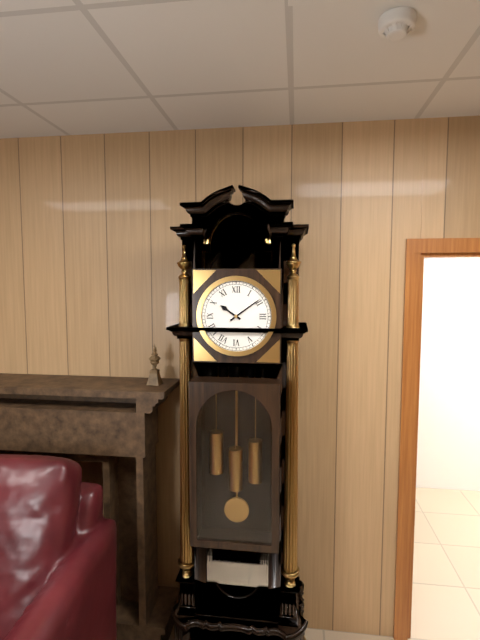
10.09
